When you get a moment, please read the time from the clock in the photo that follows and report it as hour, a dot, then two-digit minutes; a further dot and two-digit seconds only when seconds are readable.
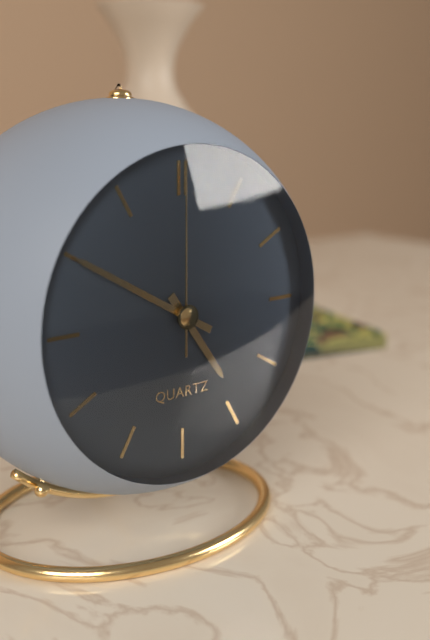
4.50.00
